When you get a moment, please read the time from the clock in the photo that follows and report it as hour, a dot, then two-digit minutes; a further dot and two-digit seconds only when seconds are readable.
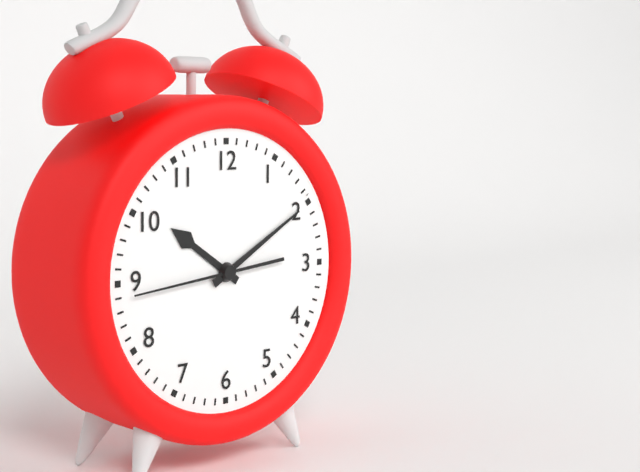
10.10.44
